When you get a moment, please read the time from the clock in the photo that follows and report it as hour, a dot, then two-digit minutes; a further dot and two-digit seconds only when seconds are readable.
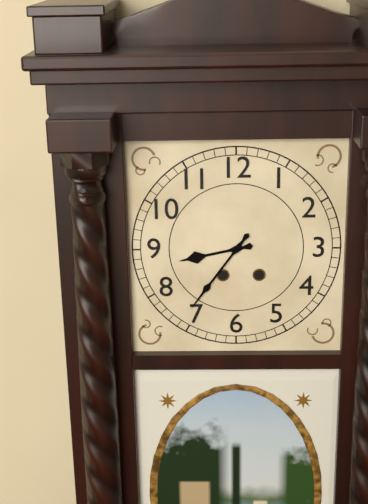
8.36
